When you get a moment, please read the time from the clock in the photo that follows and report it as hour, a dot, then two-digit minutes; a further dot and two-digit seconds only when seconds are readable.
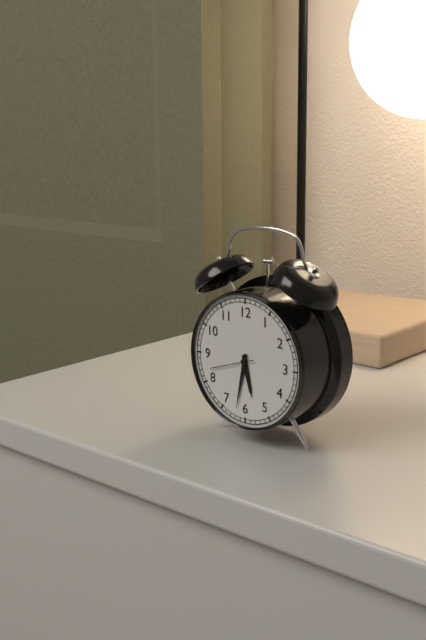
5.32
